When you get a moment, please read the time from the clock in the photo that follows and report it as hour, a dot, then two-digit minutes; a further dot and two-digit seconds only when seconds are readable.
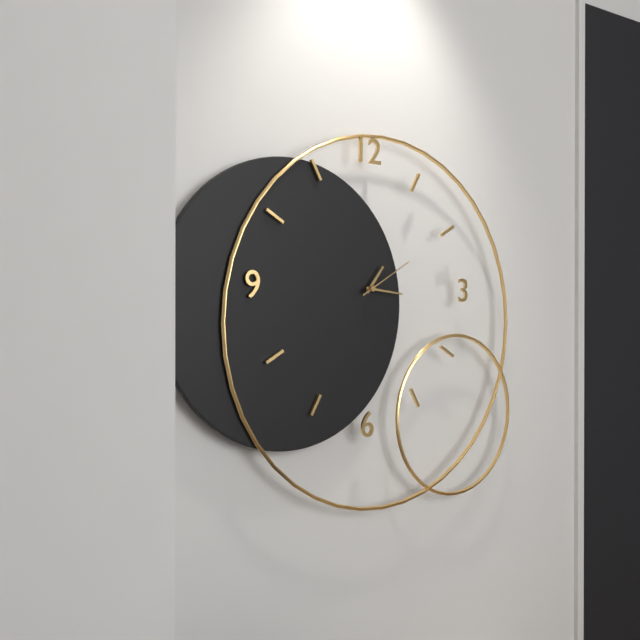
1.16.10
